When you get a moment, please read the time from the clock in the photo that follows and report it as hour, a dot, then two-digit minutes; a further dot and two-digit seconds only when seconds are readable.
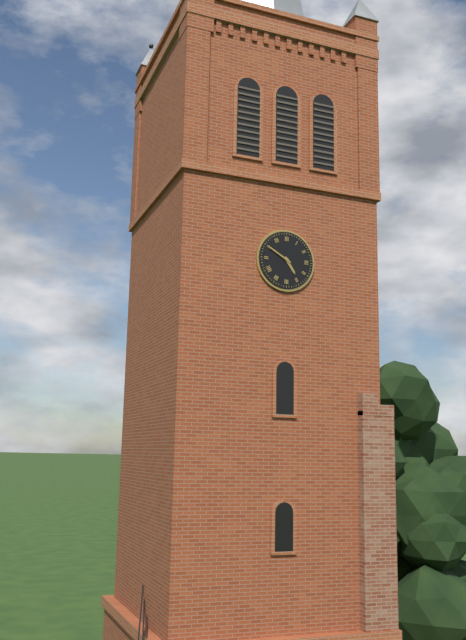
4.50
